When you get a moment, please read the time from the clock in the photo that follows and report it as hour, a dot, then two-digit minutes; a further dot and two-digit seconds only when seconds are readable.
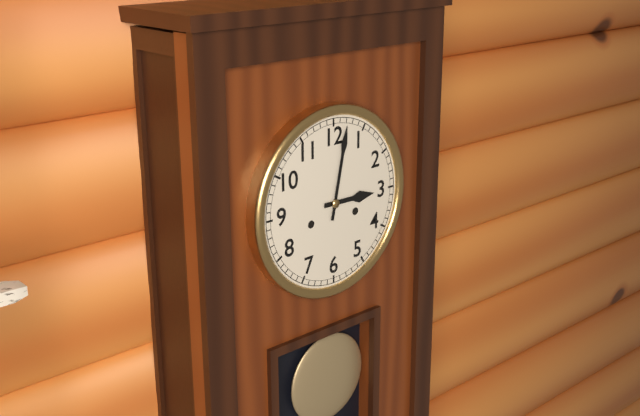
3.02
